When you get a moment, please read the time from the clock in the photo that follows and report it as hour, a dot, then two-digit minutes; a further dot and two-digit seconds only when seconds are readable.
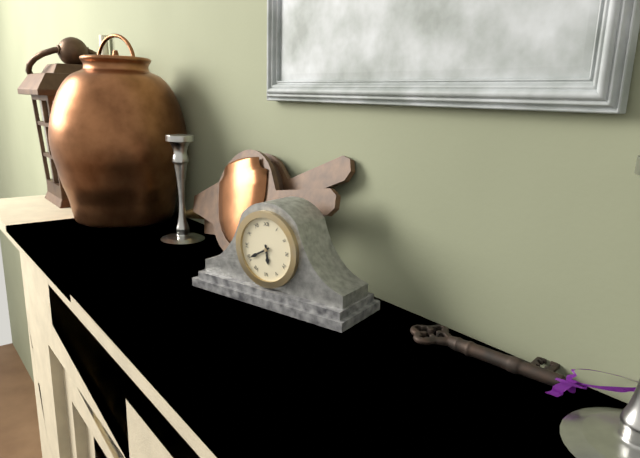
5.40
